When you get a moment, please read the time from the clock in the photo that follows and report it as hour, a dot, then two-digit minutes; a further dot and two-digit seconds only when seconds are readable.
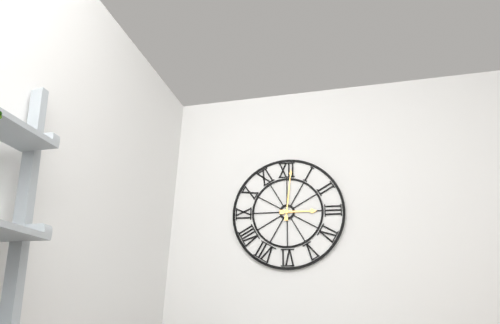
3.01
